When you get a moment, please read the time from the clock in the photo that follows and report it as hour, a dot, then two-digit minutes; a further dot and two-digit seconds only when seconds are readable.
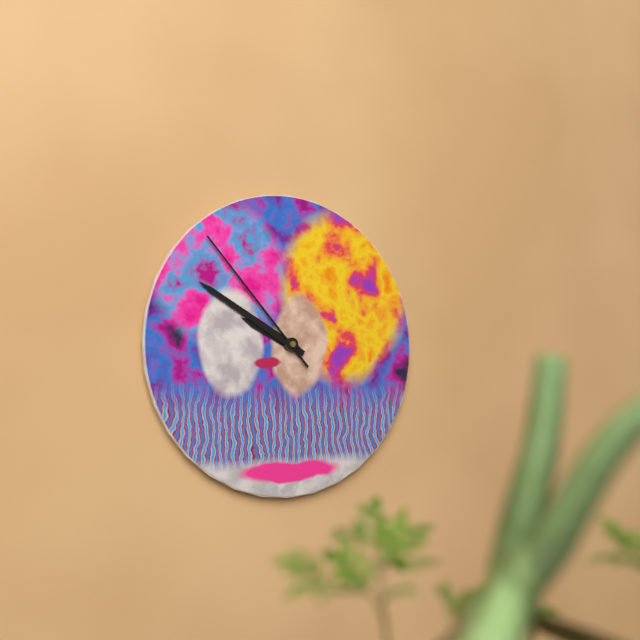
9.50.53
